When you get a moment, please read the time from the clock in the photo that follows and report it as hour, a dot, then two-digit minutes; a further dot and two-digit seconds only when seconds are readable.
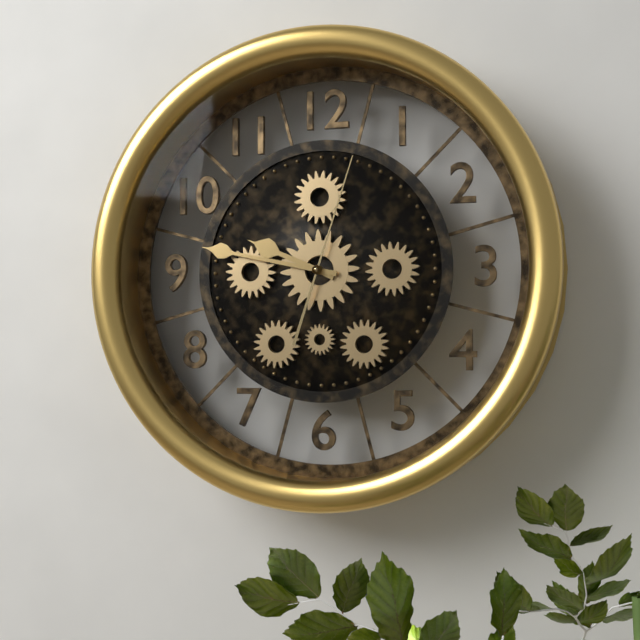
9.47.03
